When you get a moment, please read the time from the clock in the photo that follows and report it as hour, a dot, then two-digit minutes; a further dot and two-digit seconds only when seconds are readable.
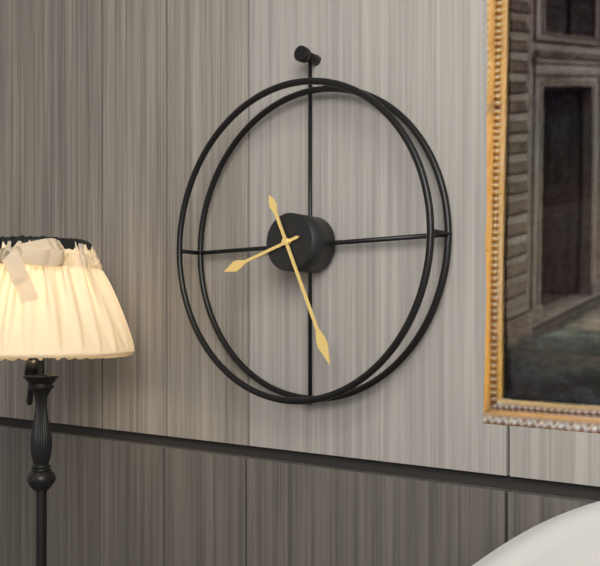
8.26
